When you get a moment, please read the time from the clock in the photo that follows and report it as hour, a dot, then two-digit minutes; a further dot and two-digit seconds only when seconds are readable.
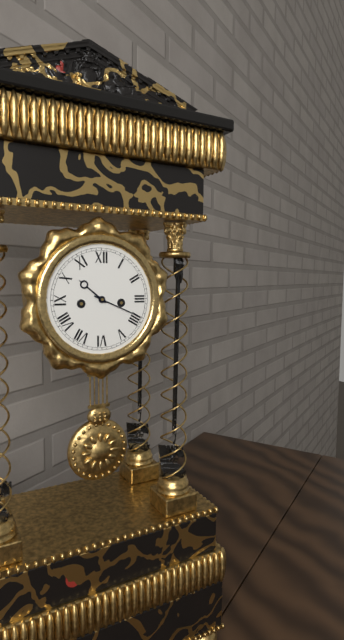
10.19
